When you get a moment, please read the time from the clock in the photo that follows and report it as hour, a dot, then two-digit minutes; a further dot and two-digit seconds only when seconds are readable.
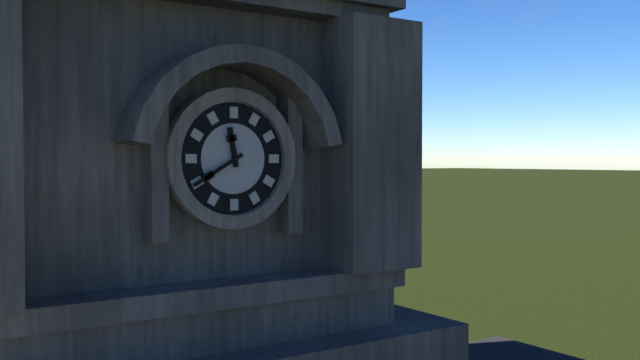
11.40
